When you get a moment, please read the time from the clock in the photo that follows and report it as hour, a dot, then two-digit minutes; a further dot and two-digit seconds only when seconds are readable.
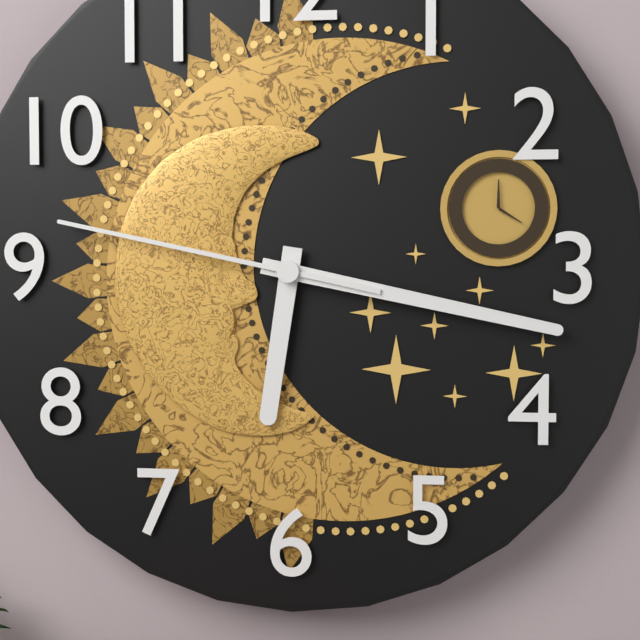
6.17.47
